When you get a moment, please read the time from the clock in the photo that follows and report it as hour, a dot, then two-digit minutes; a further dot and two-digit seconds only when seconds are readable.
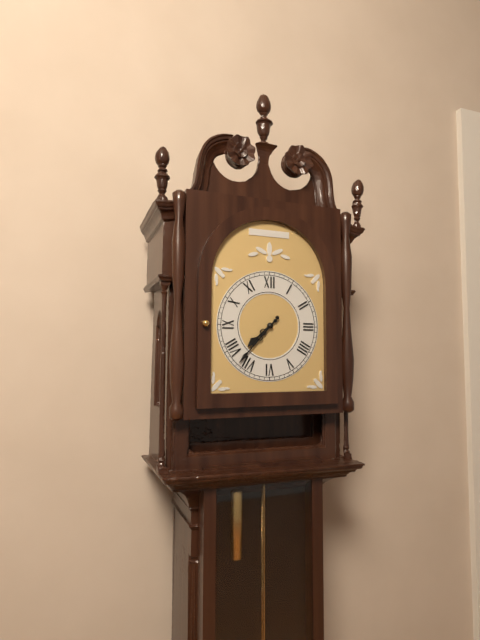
7.37
